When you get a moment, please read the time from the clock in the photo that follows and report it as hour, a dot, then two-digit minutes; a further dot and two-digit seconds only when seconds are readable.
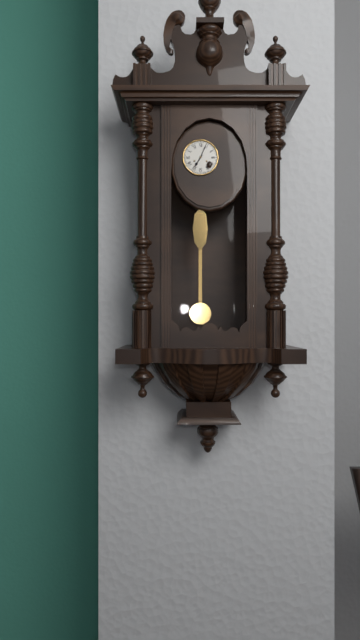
7.04
